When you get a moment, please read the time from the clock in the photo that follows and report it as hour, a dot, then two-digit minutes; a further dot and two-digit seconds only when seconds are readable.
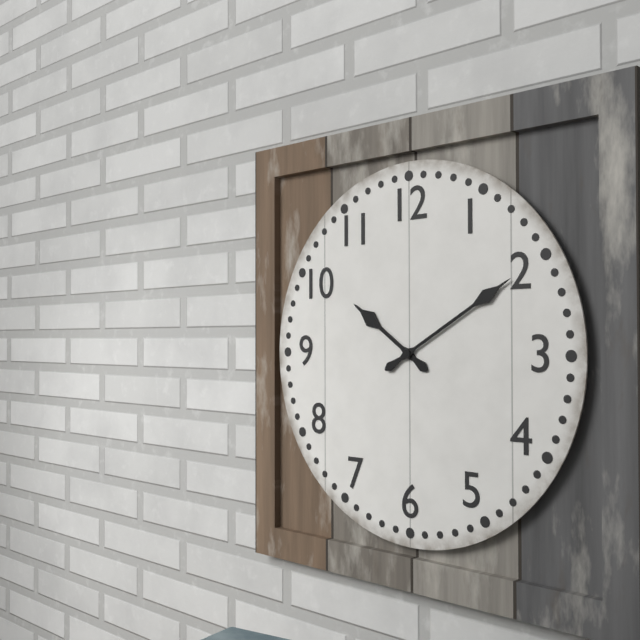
10.10
